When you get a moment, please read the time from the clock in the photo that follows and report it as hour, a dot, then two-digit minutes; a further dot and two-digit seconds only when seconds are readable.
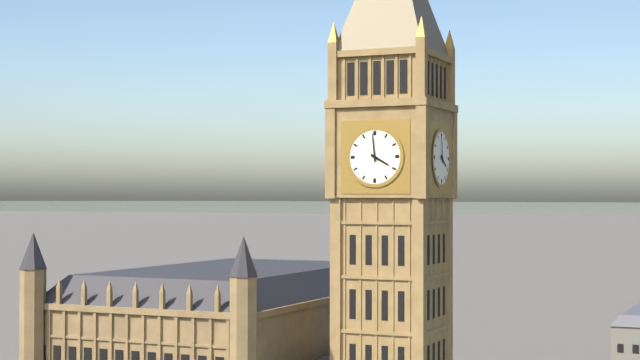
3.59
